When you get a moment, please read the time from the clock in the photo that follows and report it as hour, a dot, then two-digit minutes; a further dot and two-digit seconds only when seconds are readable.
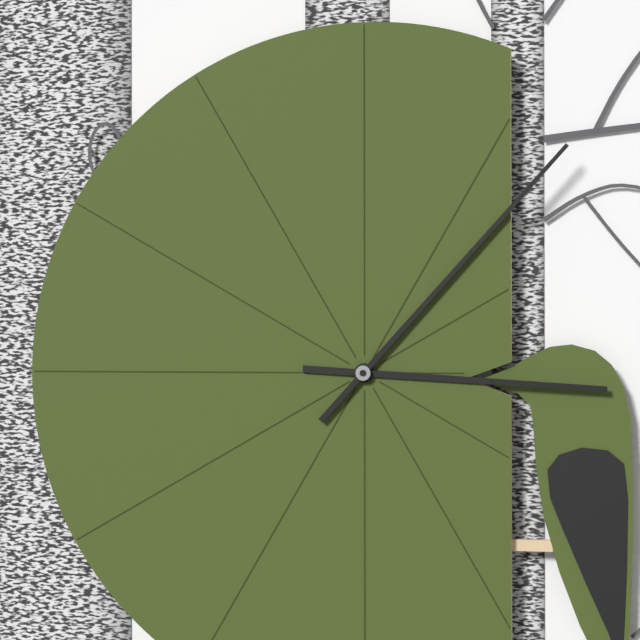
3.07
